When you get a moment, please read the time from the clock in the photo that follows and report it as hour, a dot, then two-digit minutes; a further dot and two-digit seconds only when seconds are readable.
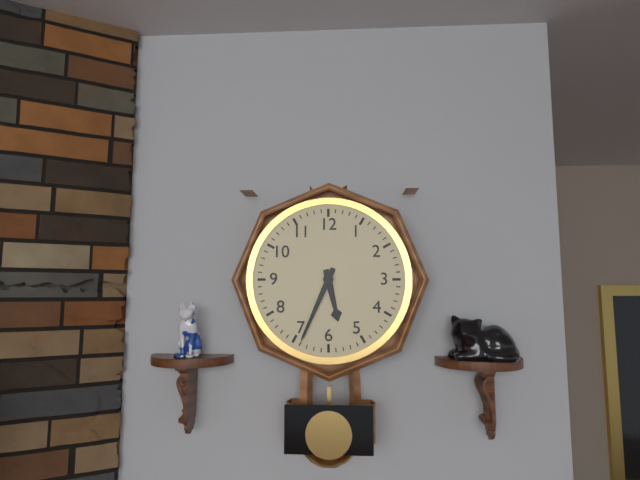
5.34
